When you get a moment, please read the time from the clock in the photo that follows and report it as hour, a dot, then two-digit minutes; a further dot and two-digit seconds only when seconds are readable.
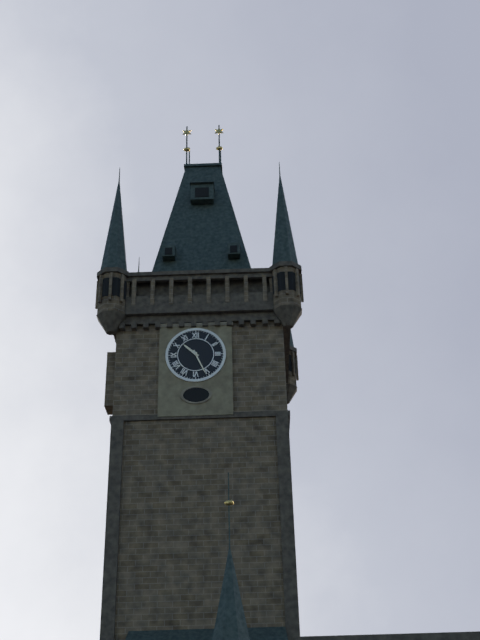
10.26
